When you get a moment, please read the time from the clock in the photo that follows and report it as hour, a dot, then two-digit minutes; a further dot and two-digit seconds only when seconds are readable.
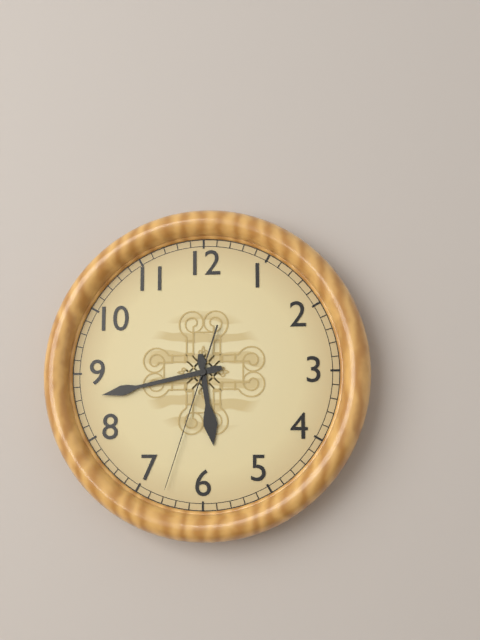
5.43.33
